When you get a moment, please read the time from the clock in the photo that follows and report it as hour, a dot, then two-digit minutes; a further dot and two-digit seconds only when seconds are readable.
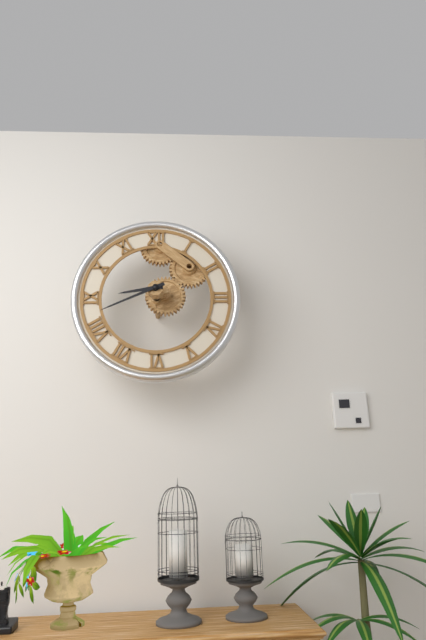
8.41
